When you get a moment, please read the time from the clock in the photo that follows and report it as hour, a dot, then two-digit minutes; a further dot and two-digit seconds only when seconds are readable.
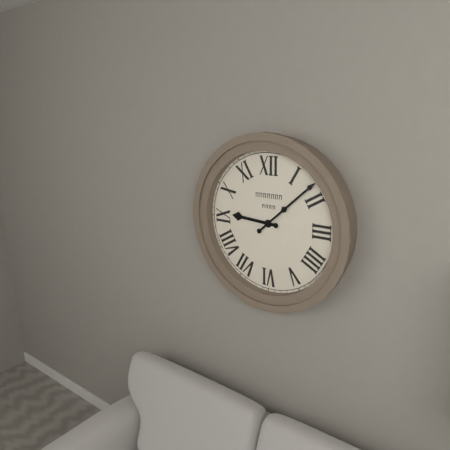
9.08
